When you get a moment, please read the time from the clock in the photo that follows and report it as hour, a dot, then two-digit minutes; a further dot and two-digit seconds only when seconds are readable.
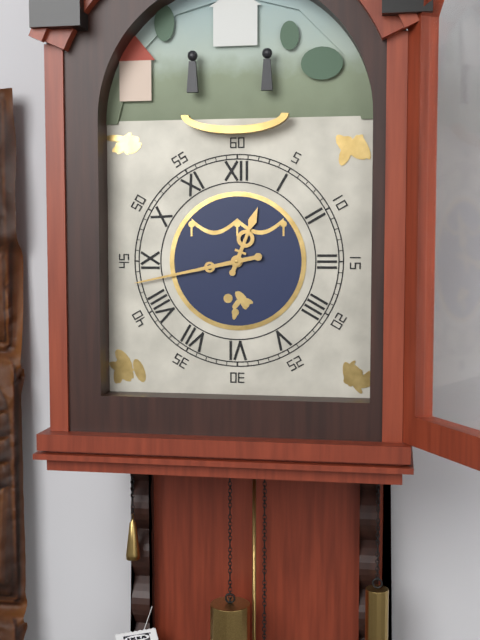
12.43
